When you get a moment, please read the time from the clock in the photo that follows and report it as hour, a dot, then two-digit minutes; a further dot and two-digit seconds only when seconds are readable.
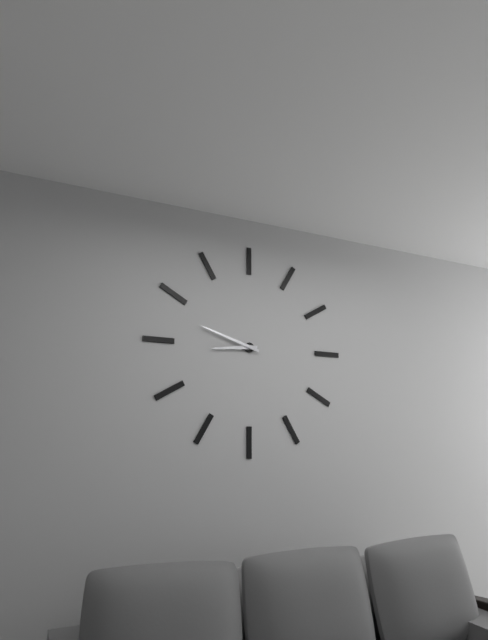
8.48
